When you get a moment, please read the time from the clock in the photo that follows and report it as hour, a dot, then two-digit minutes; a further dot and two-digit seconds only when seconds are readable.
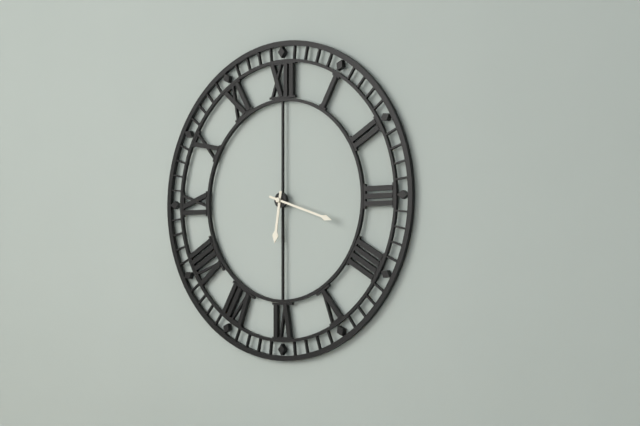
6.18
